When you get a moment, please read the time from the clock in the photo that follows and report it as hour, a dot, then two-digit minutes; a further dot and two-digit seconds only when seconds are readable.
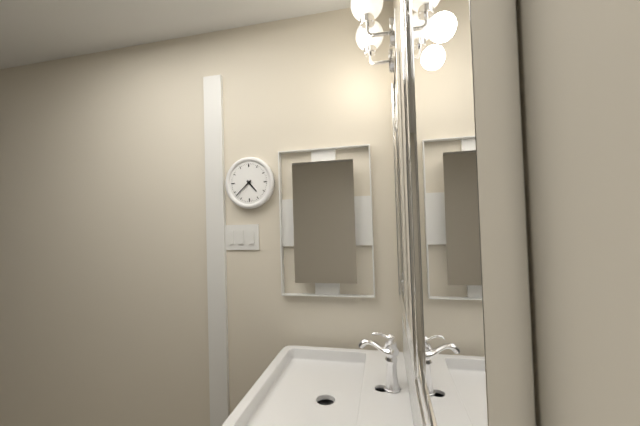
4.38
